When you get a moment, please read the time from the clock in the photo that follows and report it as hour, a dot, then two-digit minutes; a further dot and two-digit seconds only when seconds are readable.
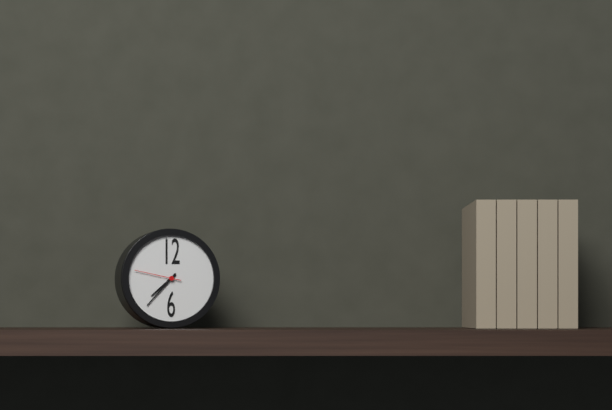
7.37
